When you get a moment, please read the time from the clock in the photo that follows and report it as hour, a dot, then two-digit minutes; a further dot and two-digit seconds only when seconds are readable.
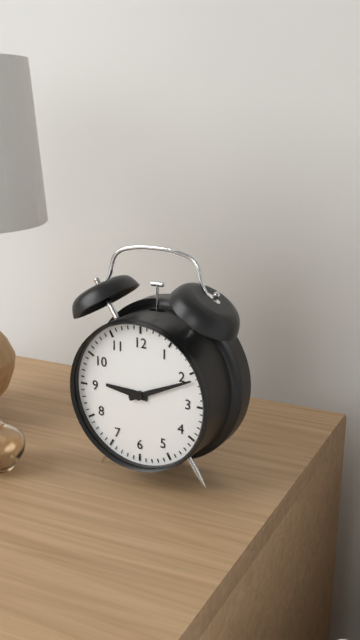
9.11
